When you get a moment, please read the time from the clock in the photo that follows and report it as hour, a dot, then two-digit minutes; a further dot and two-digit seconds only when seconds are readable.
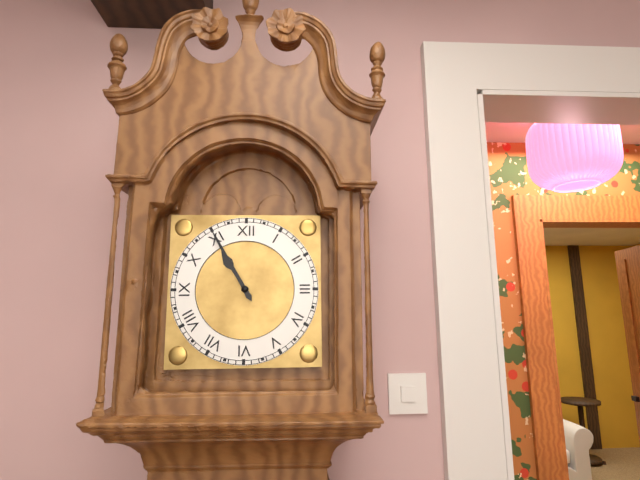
10.55
